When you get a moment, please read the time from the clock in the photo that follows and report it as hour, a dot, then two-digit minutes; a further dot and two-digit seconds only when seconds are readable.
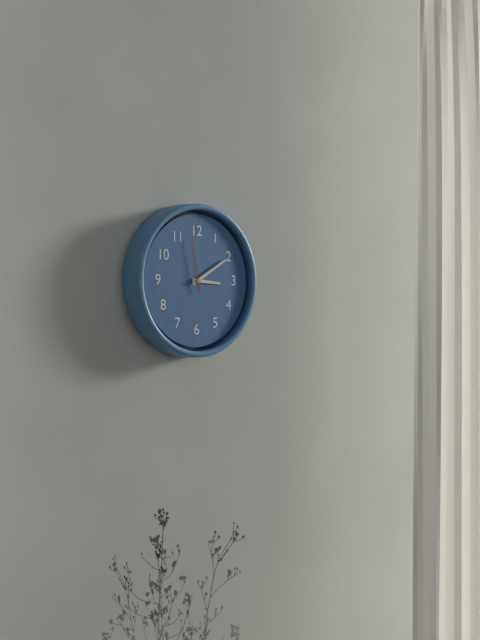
3.10.58
